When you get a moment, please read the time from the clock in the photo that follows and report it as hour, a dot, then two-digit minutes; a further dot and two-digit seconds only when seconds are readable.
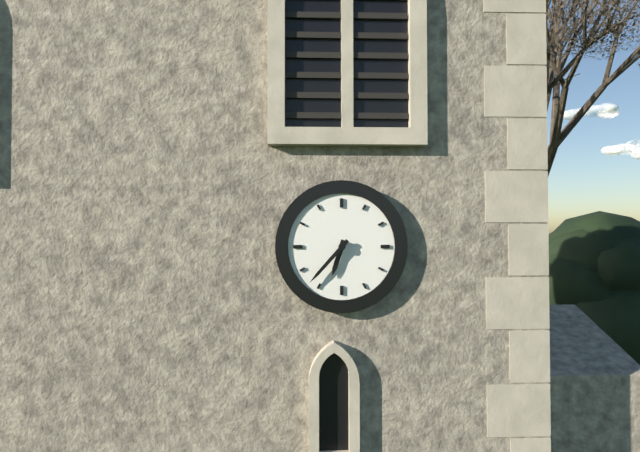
6.37
